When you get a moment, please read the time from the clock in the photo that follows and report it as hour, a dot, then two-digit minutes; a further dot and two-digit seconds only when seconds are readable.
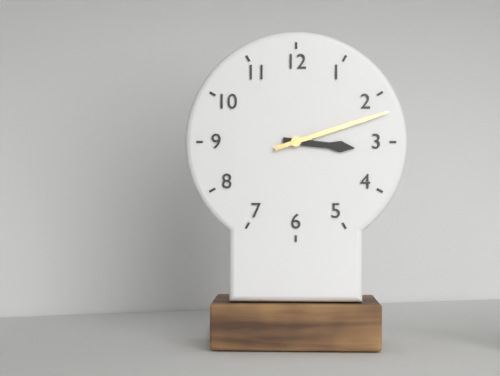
3.12
